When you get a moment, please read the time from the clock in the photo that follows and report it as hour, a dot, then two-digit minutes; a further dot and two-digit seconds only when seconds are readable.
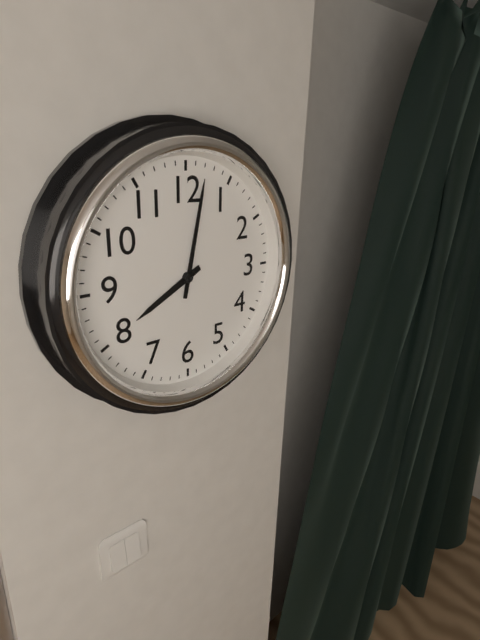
8.02
